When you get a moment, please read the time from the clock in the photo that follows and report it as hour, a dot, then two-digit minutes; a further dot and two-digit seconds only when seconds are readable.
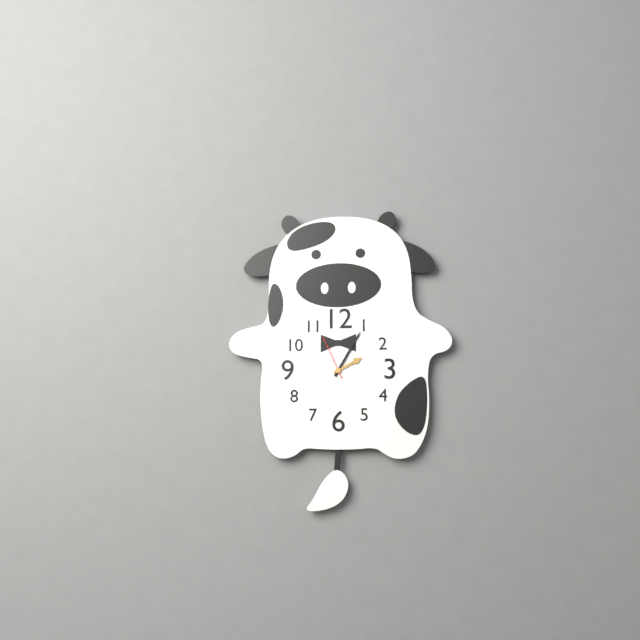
2.05
